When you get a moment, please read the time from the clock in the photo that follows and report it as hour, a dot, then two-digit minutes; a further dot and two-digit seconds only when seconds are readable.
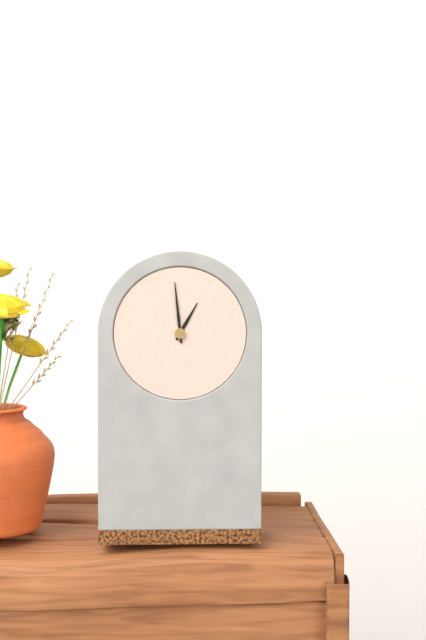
12.59
